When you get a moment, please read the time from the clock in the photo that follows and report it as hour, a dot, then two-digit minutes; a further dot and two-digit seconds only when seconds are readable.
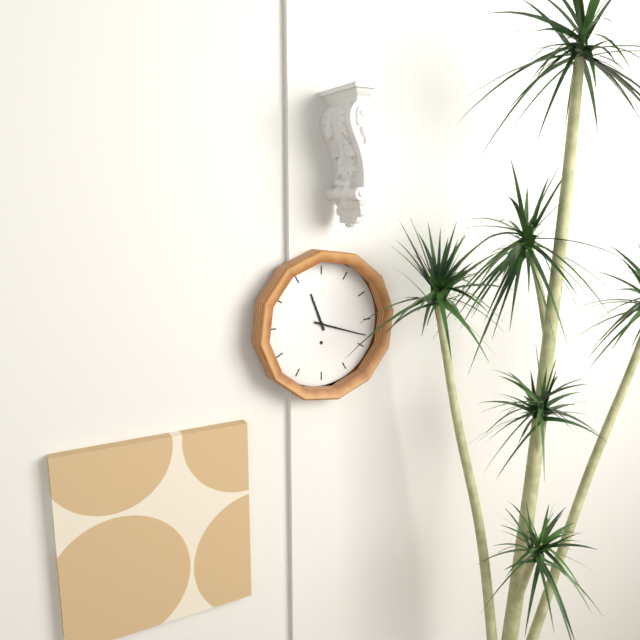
11.18
